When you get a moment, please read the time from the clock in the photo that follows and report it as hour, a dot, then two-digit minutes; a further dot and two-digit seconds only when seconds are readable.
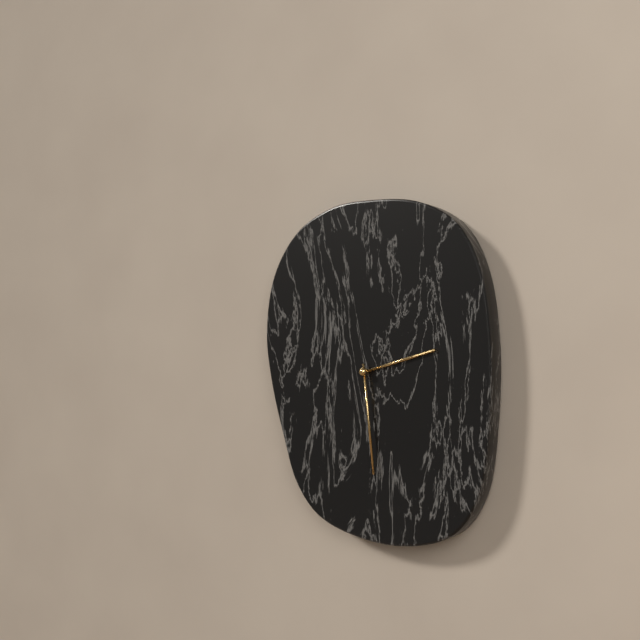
2.29
